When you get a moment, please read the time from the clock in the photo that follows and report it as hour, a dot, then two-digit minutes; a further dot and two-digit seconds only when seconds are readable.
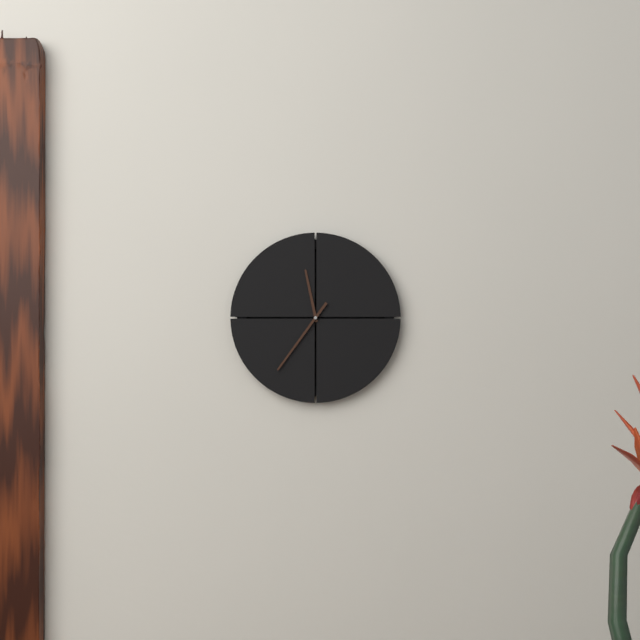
11.36
